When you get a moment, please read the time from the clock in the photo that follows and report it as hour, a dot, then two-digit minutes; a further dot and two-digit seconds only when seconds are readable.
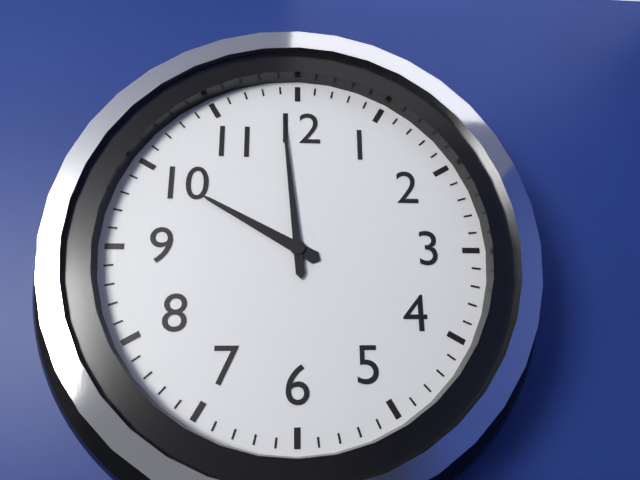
9.59
